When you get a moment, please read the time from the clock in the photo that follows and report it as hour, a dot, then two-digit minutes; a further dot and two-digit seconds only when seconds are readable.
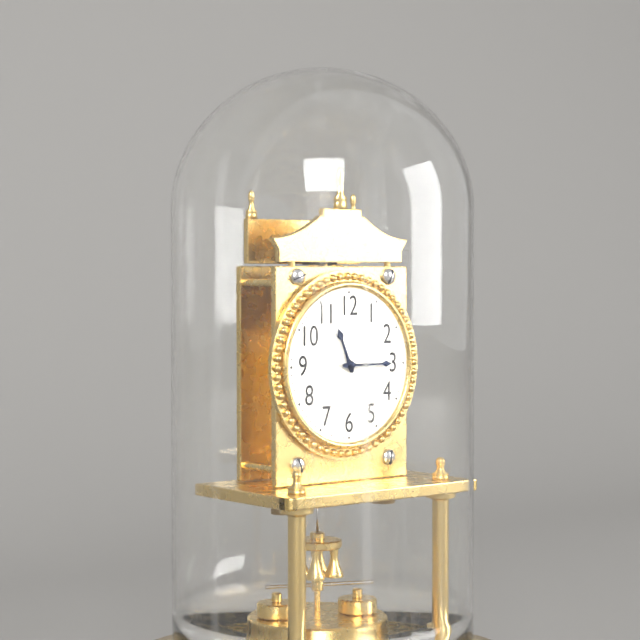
11.15
